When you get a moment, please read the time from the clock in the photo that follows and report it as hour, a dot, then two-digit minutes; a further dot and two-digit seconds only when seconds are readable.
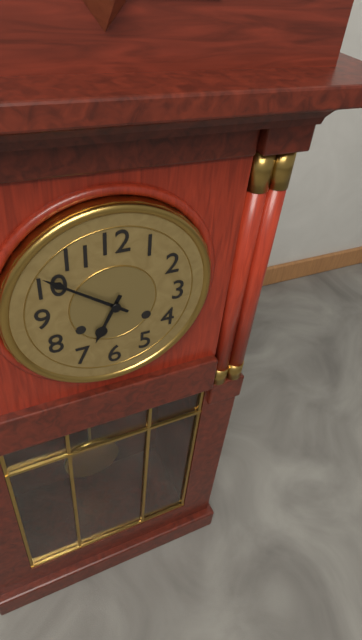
6.51
